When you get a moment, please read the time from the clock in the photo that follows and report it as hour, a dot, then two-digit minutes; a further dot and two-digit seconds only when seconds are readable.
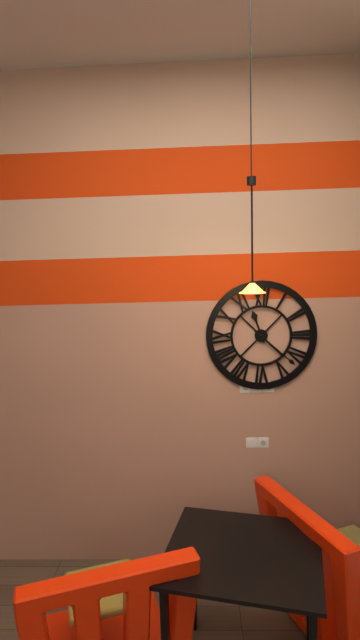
11.22
